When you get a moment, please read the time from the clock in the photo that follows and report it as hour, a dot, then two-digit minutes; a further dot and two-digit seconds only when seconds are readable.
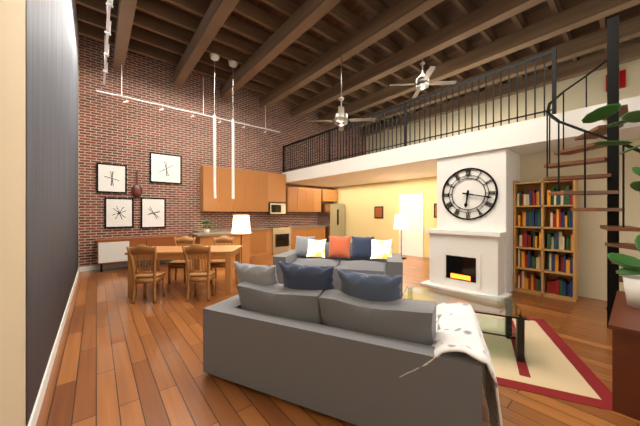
6.17
